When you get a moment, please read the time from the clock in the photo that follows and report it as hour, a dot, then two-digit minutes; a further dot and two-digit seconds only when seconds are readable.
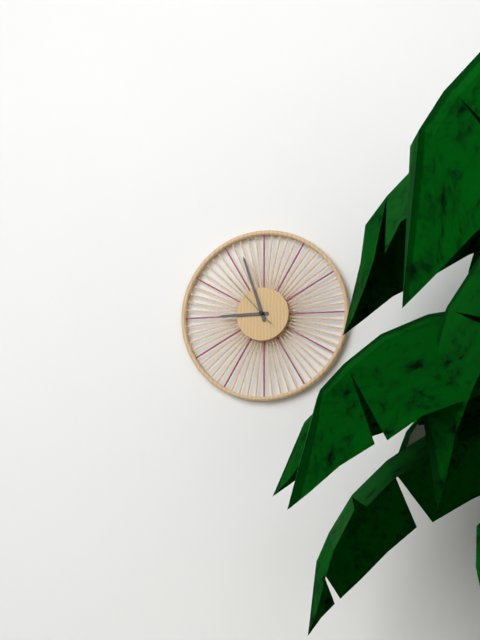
8.57.53
